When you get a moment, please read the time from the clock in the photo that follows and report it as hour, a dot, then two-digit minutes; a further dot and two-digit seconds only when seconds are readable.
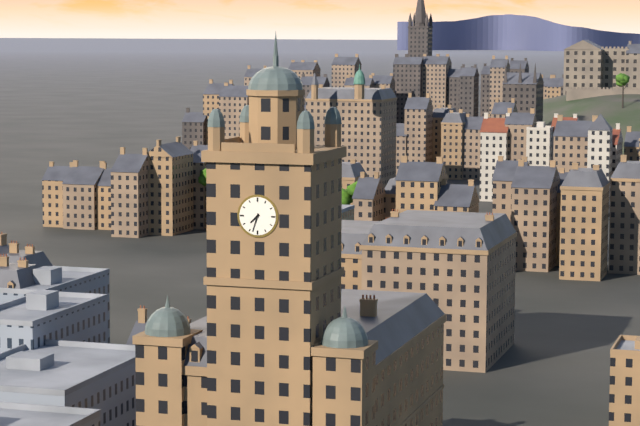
7.33
